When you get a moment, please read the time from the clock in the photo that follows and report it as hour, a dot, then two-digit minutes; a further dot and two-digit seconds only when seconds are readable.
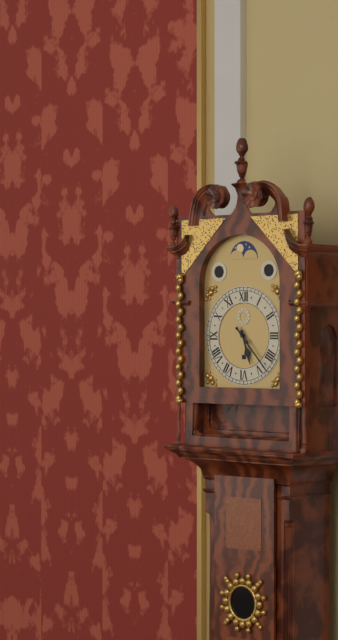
5.23
